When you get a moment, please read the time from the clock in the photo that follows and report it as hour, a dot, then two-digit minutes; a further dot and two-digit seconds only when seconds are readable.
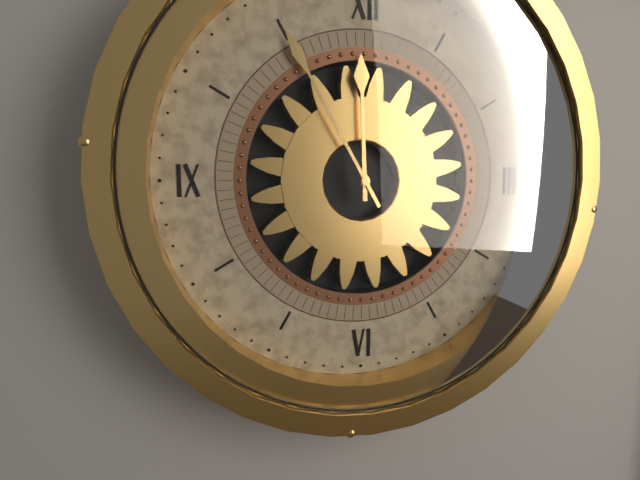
11.55
